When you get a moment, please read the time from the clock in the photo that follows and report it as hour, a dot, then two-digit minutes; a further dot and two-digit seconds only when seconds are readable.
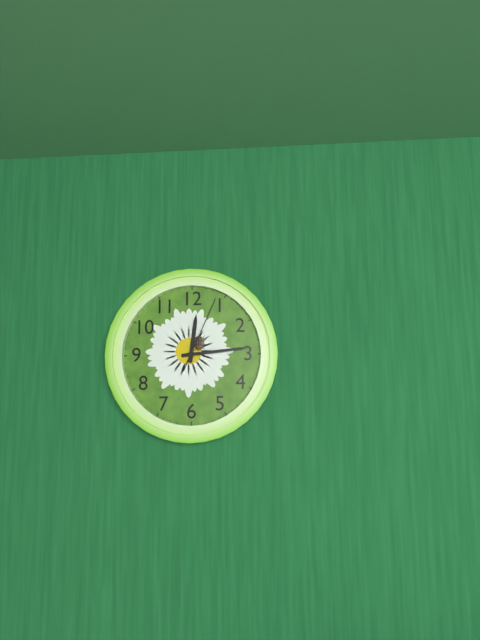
12.14.04
